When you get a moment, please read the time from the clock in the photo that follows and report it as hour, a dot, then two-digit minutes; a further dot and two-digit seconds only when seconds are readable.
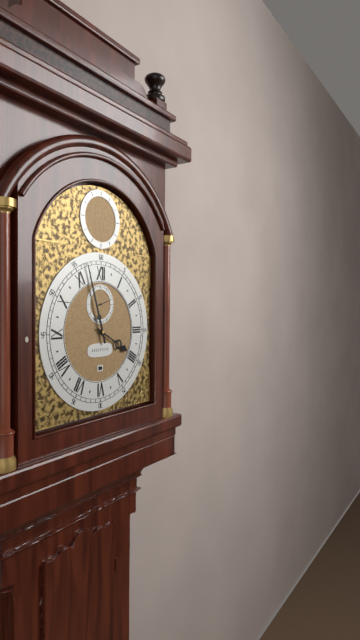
3.57
